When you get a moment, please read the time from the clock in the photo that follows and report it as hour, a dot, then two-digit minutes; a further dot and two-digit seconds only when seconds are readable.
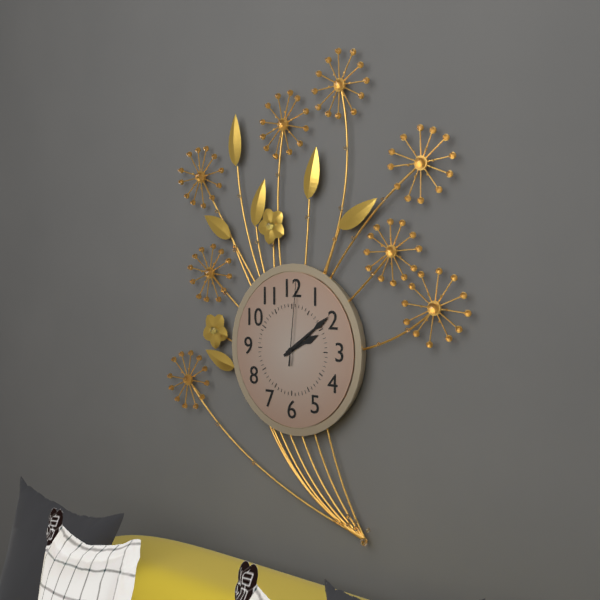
2.09.01
